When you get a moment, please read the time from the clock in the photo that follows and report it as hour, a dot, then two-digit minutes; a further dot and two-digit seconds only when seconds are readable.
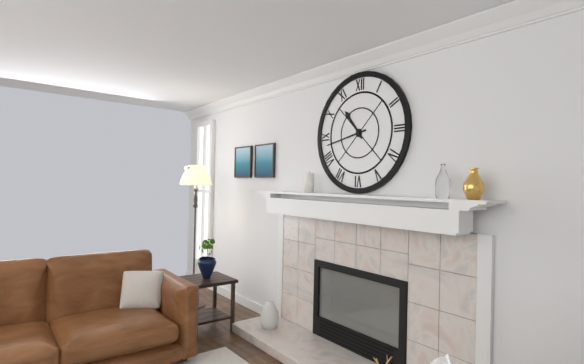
10.43
